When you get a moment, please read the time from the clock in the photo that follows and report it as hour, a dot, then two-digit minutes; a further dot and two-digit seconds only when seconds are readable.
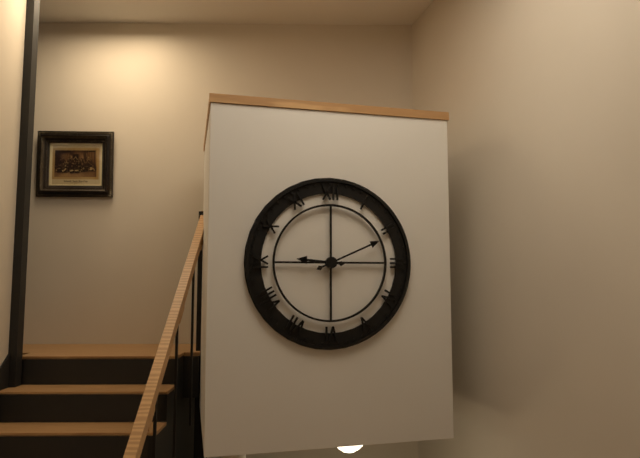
9.11
